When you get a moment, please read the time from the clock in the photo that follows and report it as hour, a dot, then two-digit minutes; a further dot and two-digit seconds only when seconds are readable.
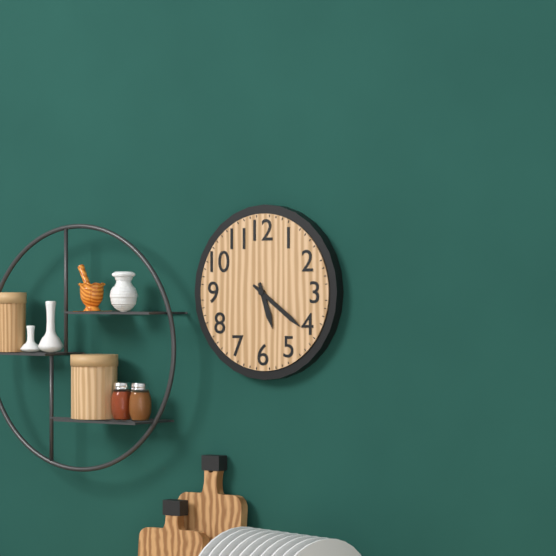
5.21
